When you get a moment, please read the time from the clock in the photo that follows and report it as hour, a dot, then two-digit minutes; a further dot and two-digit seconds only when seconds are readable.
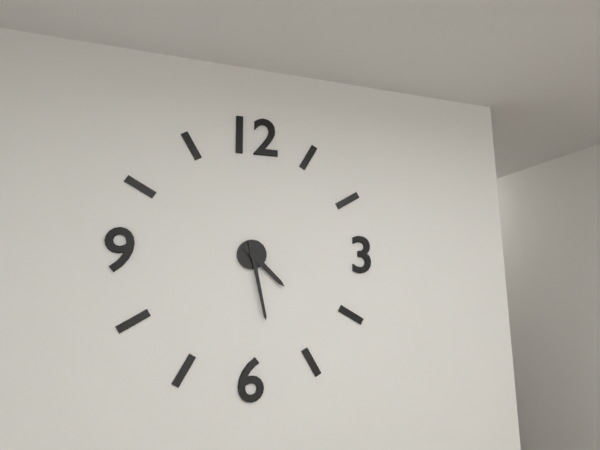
4.28
